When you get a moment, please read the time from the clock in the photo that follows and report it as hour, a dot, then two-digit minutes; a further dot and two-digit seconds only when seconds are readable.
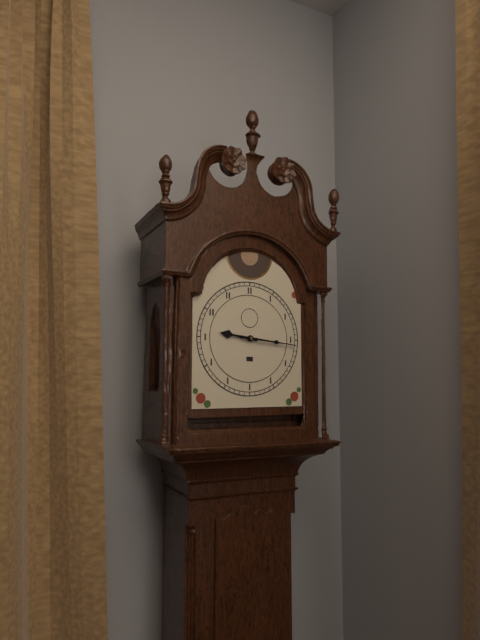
9.16
